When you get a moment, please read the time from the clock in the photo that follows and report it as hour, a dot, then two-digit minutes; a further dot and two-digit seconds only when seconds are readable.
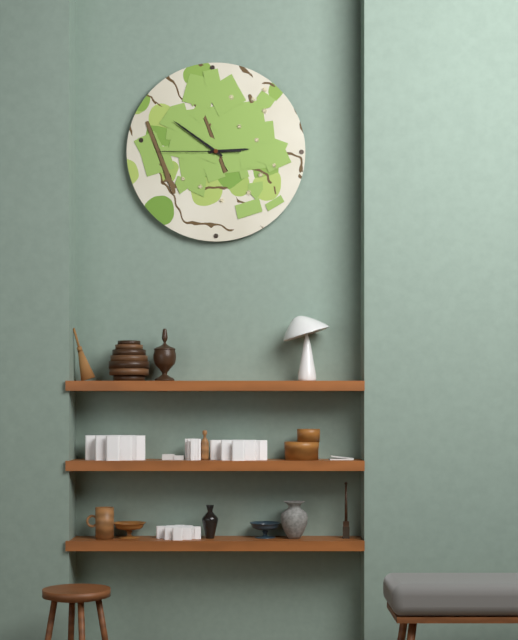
2.51.45
